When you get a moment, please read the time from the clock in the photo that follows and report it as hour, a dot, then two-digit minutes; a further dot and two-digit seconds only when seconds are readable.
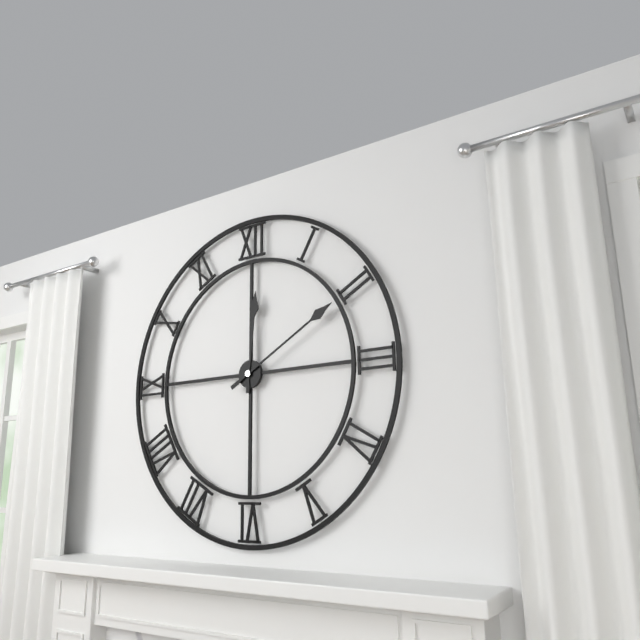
12.10
